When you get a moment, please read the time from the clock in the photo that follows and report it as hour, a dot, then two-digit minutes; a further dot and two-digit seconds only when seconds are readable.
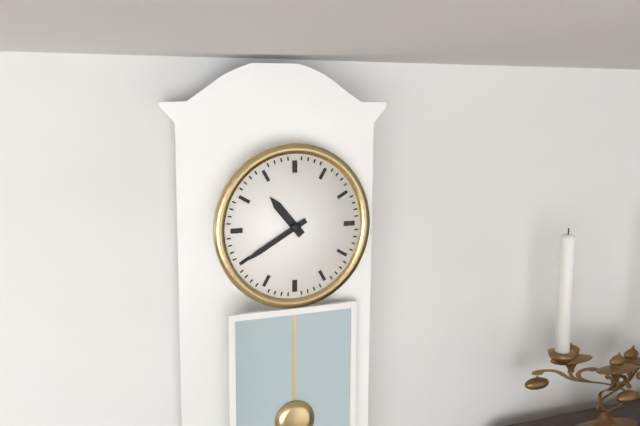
10.40
